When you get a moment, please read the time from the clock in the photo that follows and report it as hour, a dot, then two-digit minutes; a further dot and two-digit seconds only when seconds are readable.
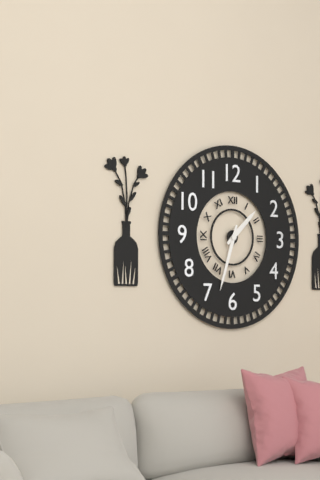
1.33
